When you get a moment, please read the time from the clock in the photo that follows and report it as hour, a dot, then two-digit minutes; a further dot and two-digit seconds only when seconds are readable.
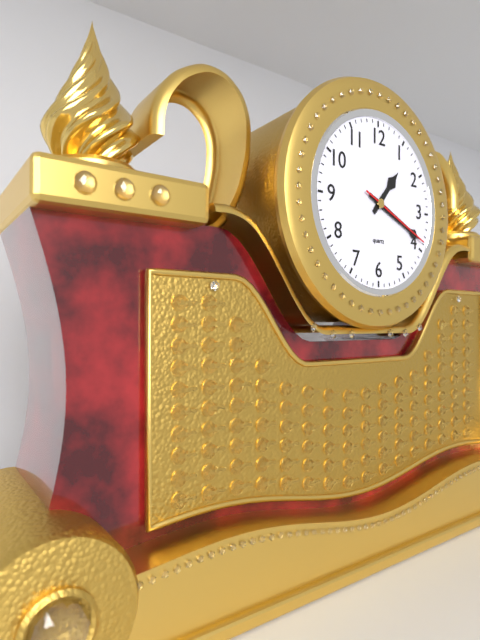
1.19.19
